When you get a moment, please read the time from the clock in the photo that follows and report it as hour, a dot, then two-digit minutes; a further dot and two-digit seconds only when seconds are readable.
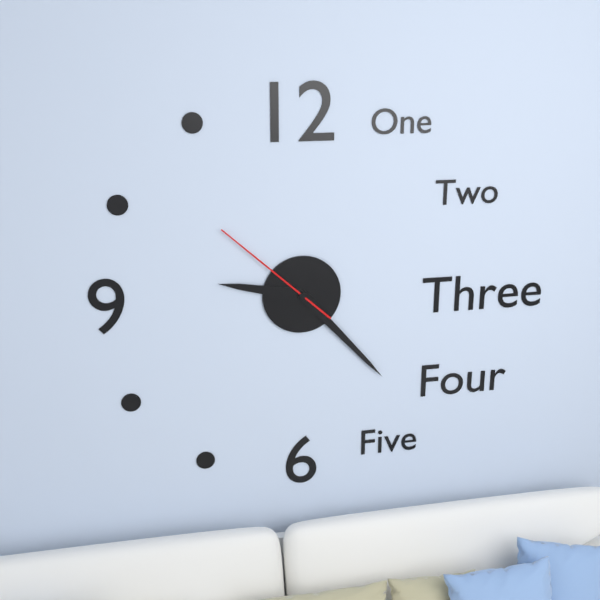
9.23.52
